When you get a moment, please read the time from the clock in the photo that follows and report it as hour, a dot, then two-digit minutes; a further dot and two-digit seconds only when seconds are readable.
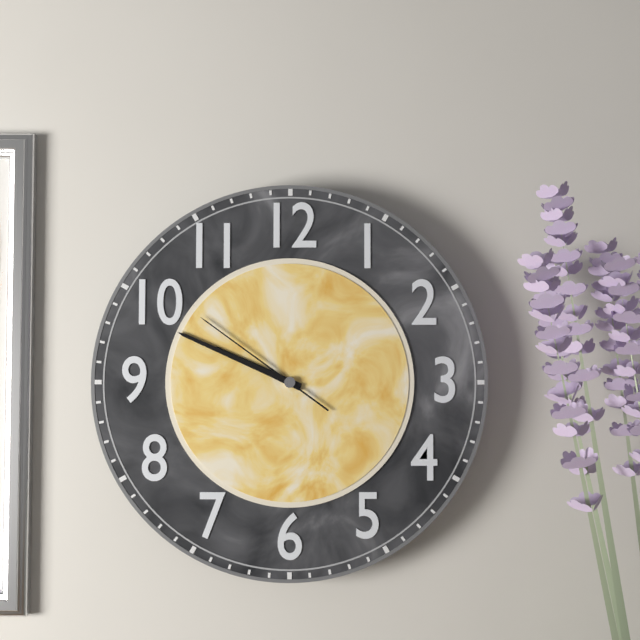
9.49.51
